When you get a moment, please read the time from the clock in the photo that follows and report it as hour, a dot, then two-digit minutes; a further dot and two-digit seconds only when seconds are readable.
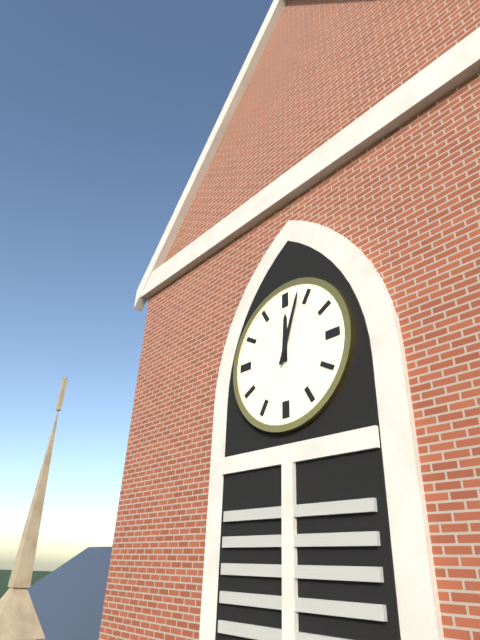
12.03
